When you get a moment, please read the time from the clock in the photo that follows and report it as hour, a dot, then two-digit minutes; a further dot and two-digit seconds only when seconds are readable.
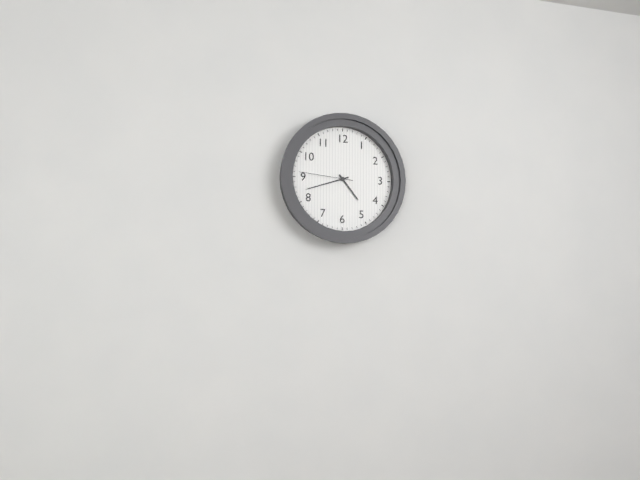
4.42.46
